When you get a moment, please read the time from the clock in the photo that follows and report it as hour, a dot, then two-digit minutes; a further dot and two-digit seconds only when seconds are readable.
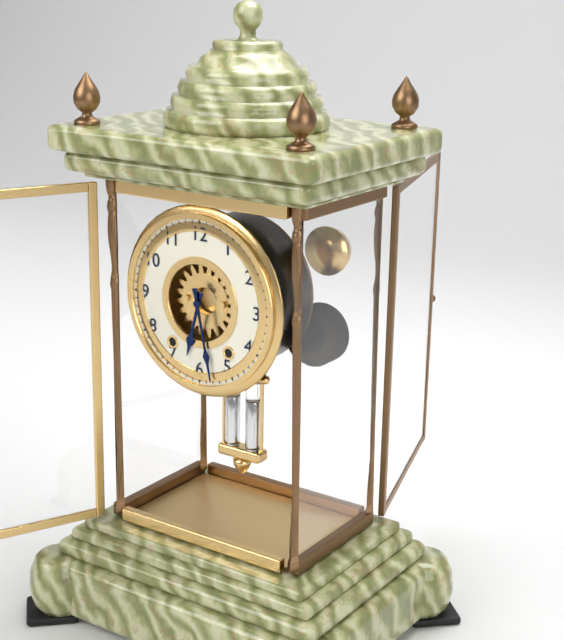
6.28
